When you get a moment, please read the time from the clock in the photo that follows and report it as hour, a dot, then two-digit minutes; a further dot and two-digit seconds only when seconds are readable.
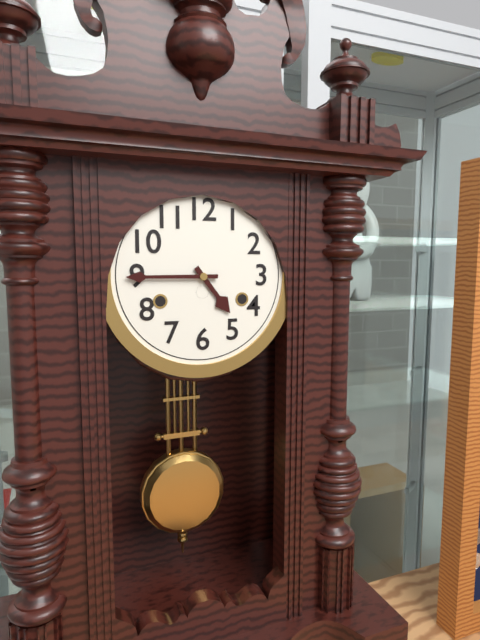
4.45
